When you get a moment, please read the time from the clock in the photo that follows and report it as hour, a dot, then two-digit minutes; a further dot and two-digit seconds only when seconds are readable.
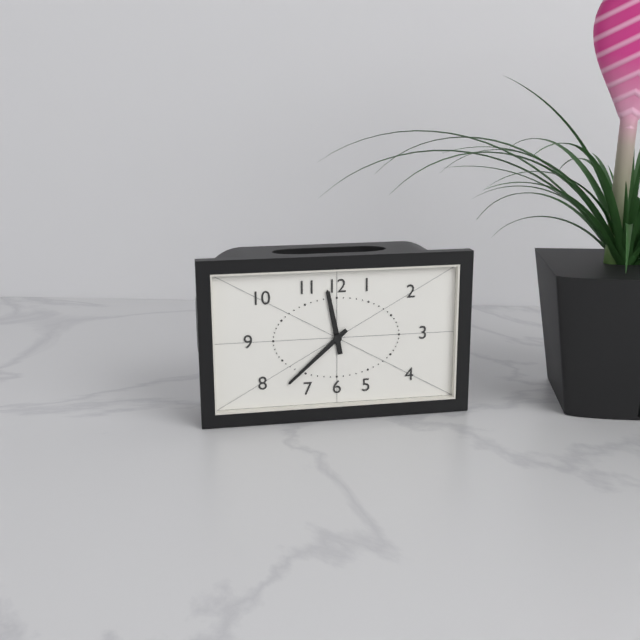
11.38
